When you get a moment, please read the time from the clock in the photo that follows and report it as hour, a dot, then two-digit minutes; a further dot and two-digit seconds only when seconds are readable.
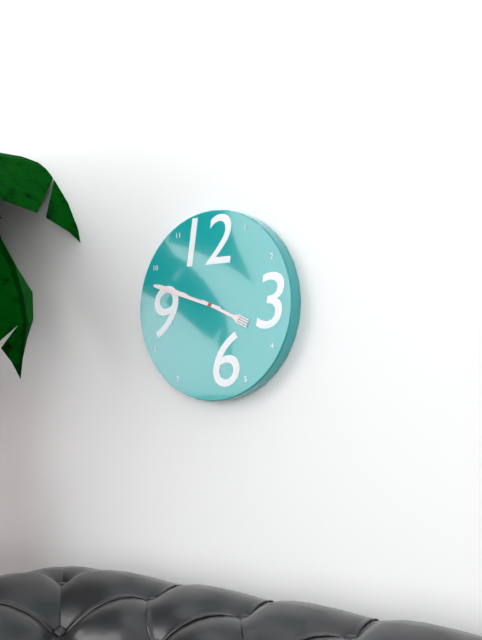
3.48
